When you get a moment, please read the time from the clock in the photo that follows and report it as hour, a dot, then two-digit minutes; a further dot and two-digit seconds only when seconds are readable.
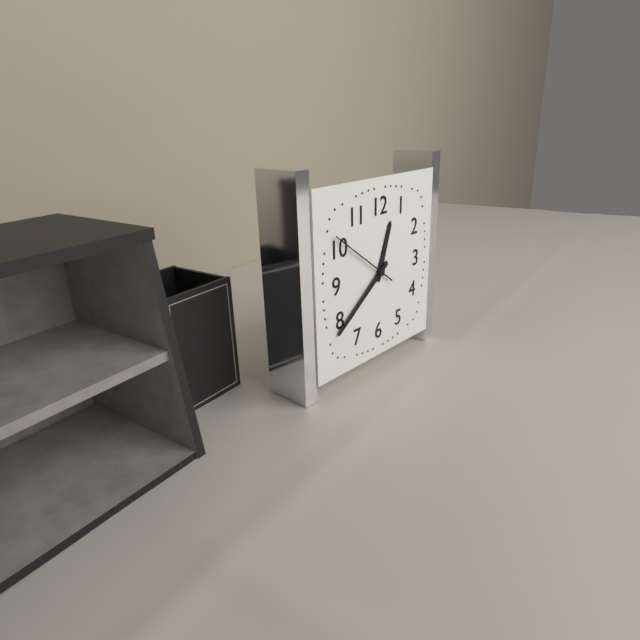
12.39.51
